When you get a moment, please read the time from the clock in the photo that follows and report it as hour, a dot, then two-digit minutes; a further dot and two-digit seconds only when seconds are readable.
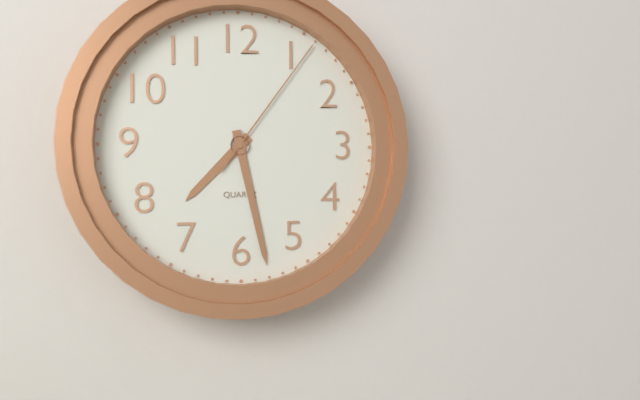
7.28.06
